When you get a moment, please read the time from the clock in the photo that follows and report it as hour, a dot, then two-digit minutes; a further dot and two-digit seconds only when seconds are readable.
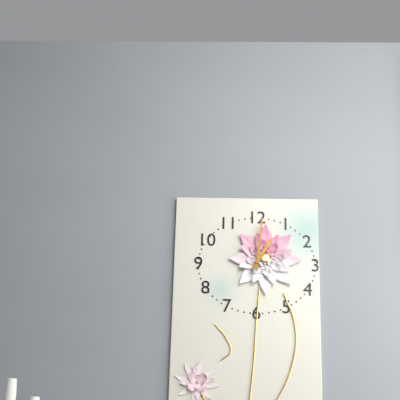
1.01
